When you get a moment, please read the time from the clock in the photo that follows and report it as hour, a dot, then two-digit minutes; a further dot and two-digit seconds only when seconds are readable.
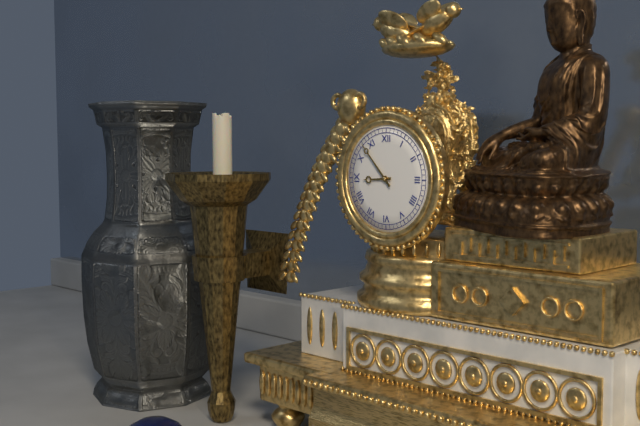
8.53
